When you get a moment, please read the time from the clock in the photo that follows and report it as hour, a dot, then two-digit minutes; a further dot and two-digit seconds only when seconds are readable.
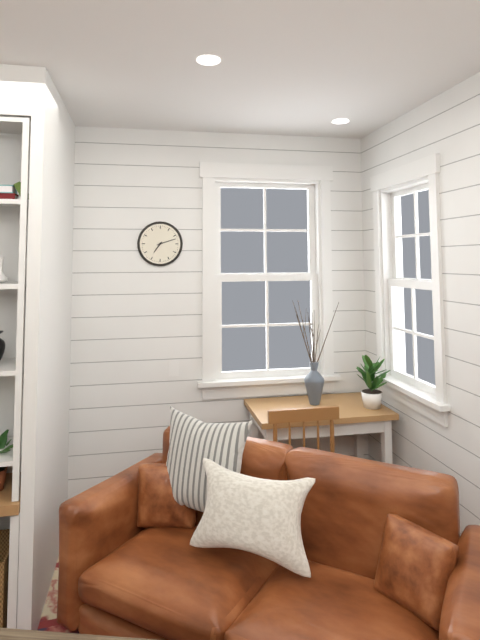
7.12
